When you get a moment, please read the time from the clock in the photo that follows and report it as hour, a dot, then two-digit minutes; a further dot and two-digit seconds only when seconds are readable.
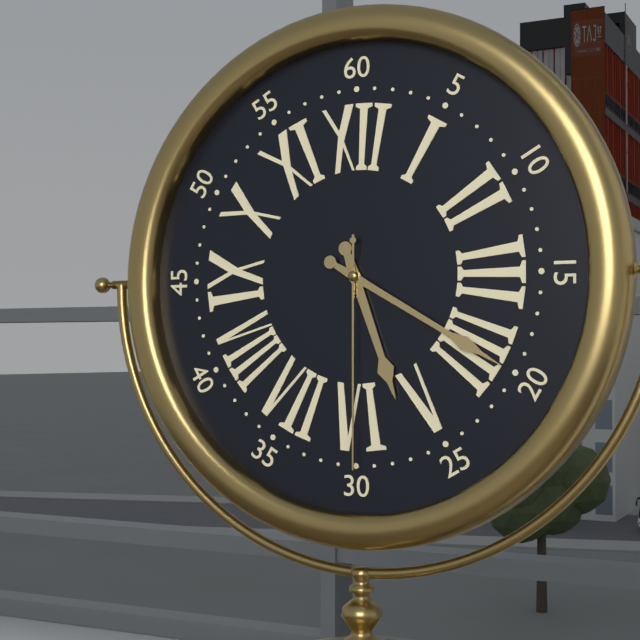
5.20.30
